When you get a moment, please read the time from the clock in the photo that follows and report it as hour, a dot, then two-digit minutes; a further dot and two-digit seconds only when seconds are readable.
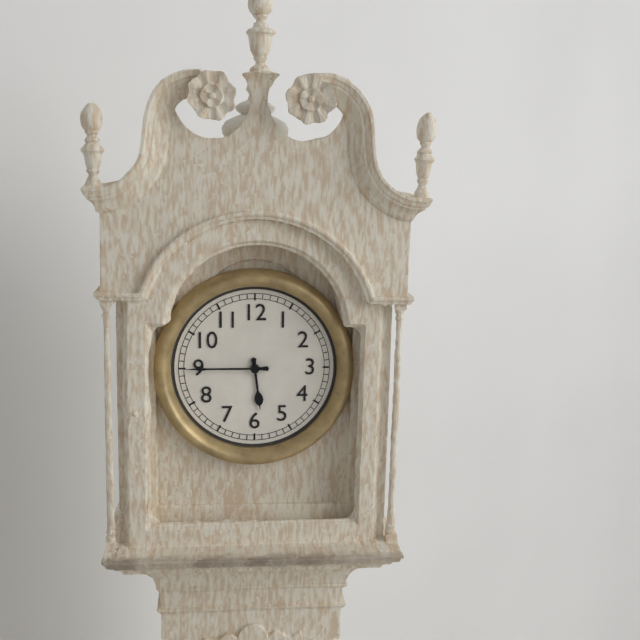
5.45
